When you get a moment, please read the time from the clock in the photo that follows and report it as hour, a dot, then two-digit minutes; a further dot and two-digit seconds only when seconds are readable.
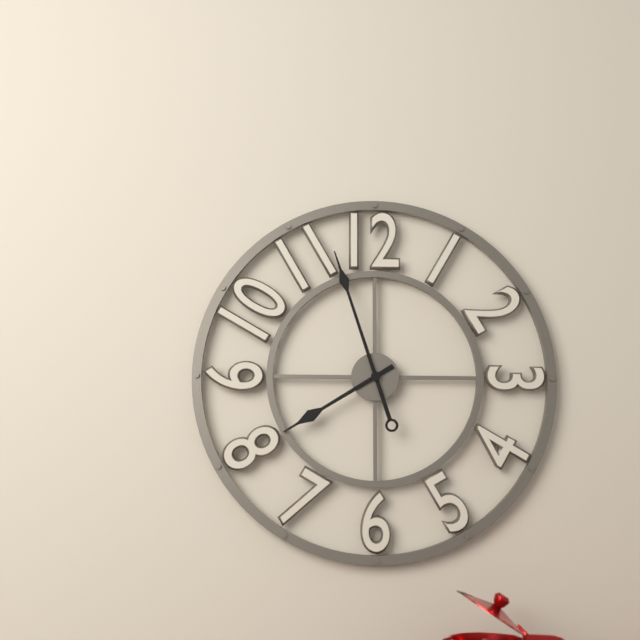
7.57
